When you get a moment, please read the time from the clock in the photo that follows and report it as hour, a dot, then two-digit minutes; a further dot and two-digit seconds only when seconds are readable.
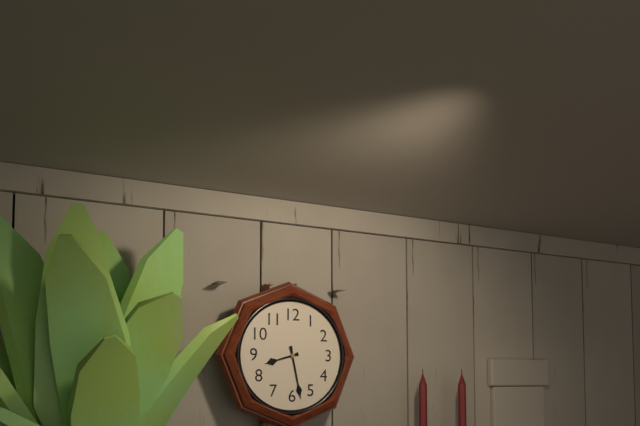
8.28
